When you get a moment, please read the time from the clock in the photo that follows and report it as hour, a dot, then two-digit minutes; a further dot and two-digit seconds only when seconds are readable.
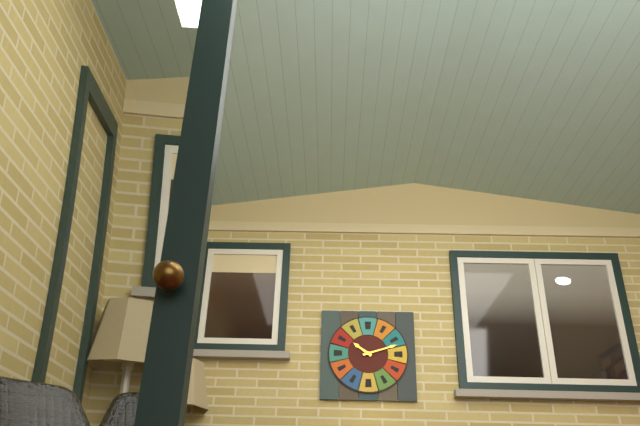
10.12
